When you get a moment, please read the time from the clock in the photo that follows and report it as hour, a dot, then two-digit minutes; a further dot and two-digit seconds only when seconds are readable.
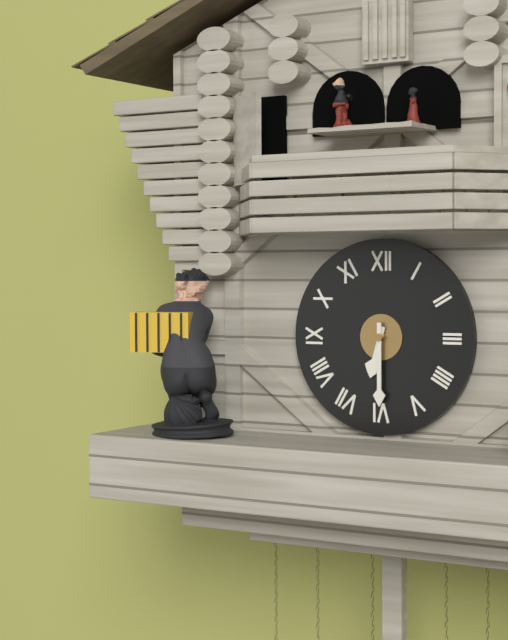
6.30
